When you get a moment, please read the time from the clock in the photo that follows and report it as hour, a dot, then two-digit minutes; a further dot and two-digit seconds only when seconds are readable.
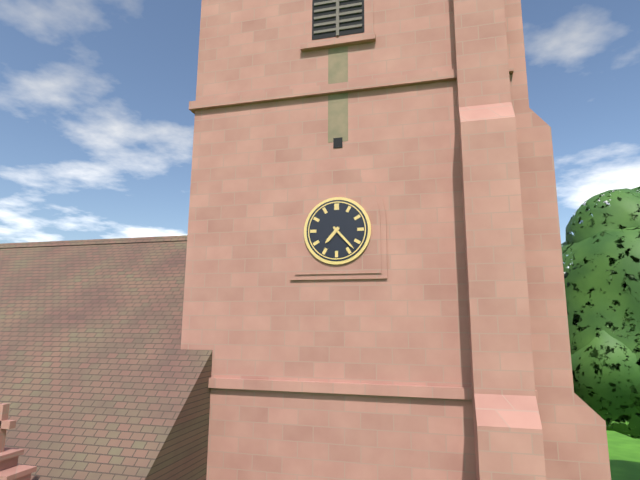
7.23
